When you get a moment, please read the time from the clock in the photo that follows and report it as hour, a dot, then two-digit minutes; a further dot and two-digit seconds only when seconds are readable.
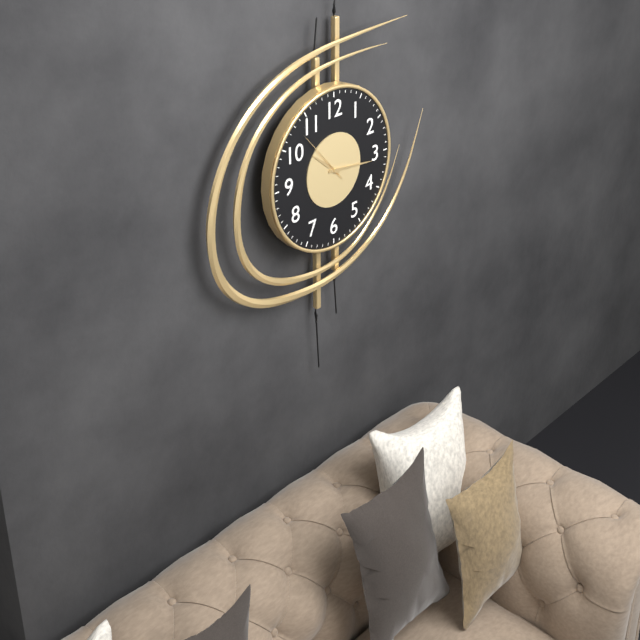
10.16.53
